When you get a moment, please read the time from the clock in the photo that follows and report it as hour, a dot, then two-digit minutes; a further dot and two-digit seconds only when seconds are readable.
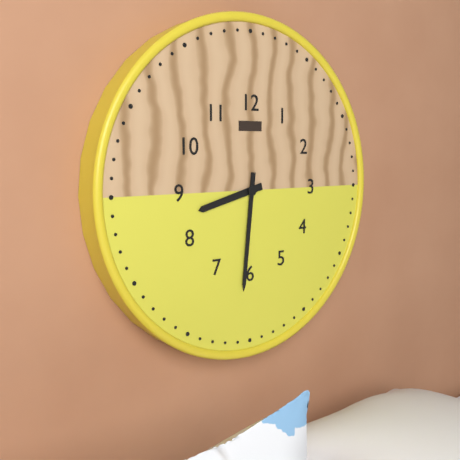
8.31
